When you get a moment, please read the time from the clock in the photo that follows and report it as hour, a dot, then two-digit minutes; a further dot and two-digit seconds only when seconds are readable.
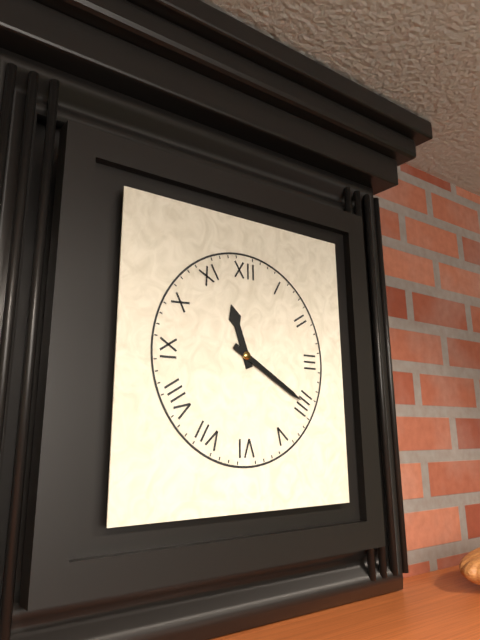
11.20
